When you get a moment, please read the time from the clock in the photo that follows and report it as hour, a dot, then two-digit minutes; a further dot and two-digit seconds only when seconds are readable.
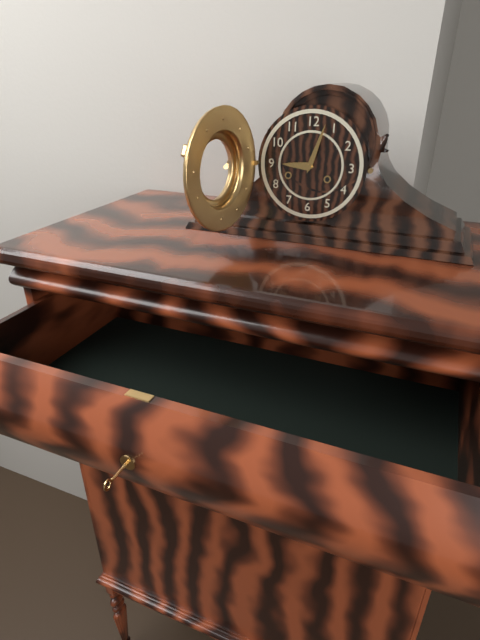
9.03
